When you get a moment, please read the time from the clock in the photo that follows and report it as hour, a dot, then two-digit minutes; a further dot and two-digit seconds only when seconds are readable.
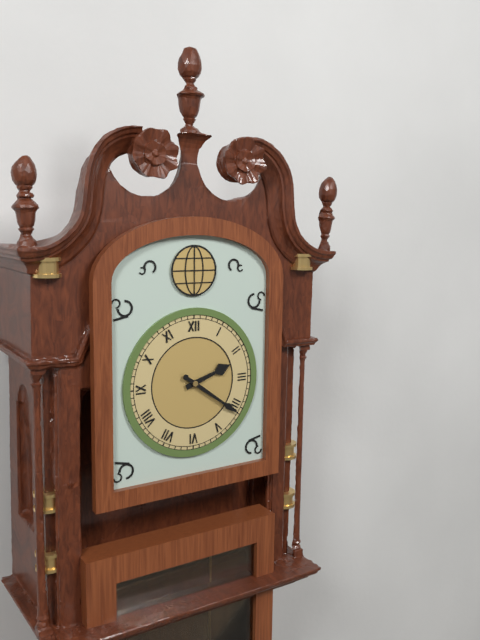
2.21
